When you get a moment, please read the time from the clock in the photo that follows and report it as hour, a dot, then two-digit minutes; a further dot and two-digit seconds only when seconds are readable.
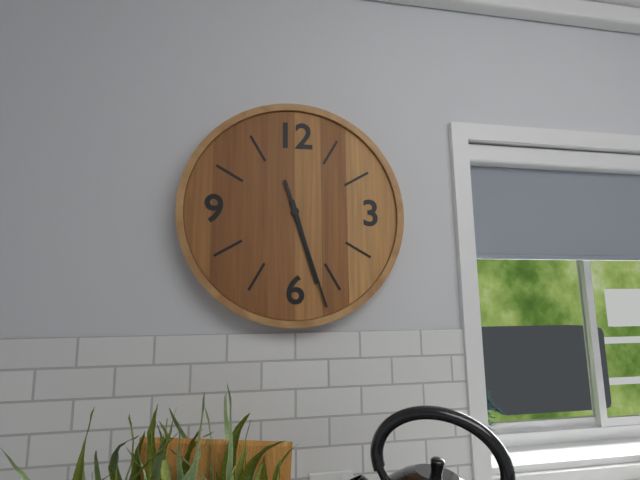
5.27
